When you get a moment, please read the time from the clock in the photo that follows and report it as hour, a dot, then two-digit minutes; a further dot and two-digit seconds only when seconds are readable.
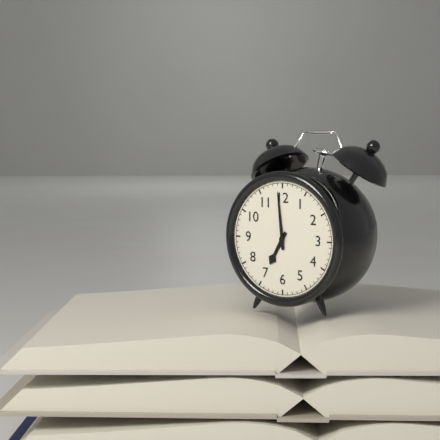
6.59
